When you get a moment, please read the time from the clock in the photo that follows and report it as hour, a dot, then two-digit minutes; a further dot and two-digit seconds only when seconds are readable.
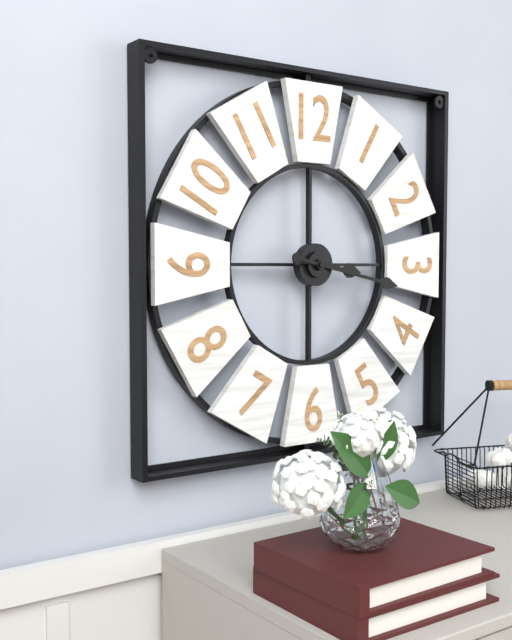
3.17
